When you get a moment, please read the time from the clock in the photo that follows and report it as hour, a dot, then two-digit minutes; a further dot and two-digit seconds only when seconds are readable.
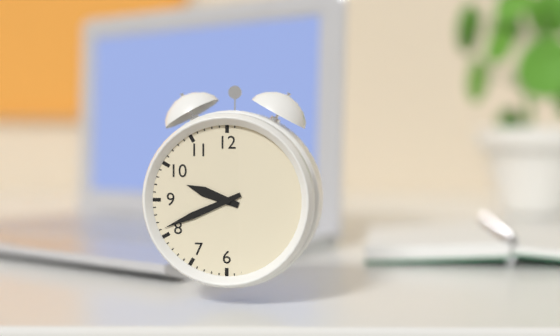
9.41
